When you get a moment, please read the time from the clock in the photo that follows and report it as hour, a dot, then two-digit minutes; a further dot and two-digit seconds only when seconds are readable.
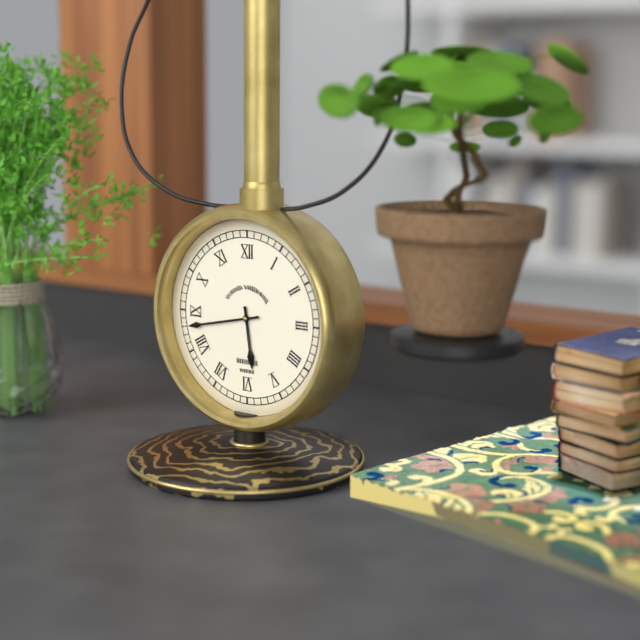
5.43
